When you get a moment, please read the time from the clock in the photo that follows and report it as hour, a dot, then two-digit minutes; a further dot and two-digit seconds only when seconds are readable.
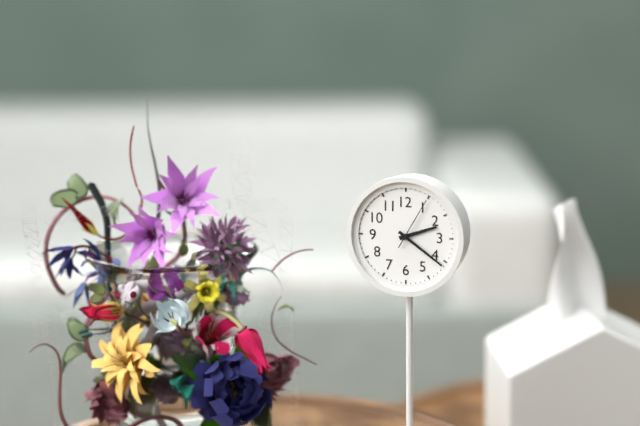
2.21.05
